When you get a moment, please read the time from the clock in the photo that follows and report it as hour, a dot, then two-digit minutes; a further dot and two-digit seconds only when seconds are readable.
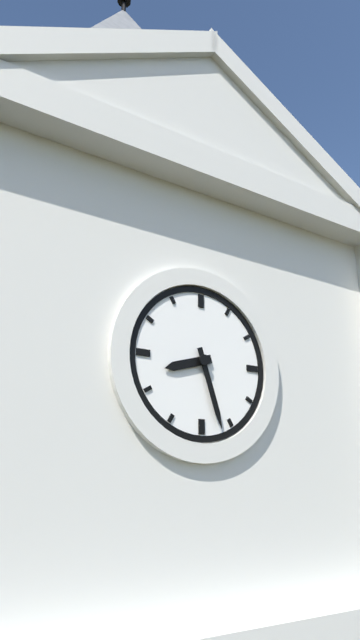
8.27
